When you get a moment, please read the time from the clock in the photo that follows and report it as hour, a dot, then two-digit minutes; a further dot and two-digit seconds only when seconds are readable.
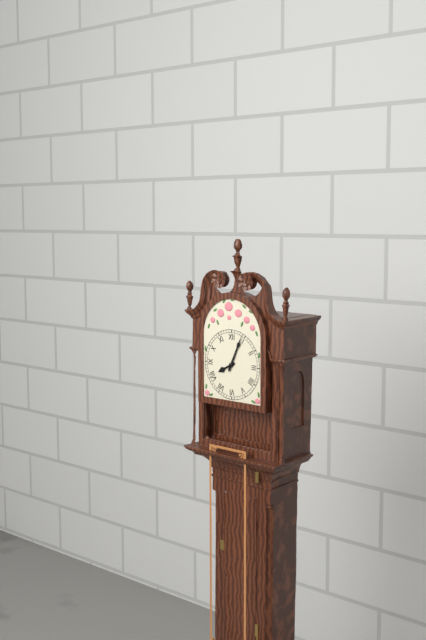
8.04
